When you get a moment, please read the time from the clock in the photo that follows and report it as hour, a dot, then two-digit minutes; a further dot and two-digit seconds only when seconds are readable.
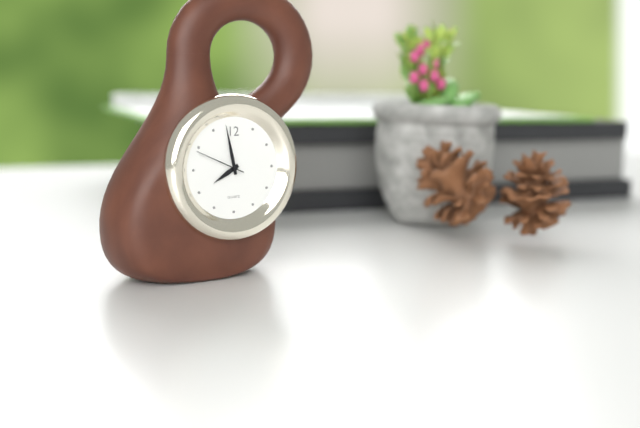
7.58.49
